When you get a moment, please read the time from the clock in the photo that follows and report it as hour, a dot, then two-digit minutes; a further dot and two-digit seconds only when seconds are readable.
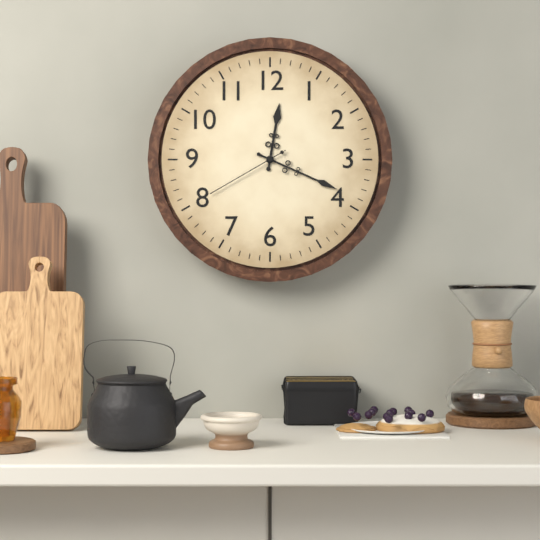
12.19.40
